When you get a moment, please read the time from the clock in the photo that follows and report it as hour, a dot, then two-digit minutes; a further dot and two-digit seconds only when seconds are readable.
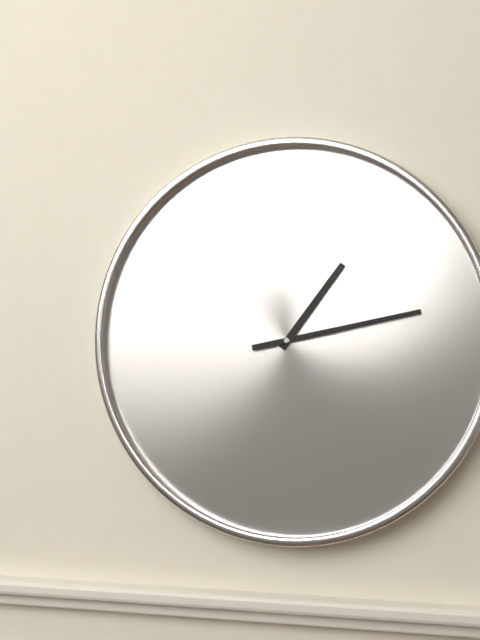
1.13
